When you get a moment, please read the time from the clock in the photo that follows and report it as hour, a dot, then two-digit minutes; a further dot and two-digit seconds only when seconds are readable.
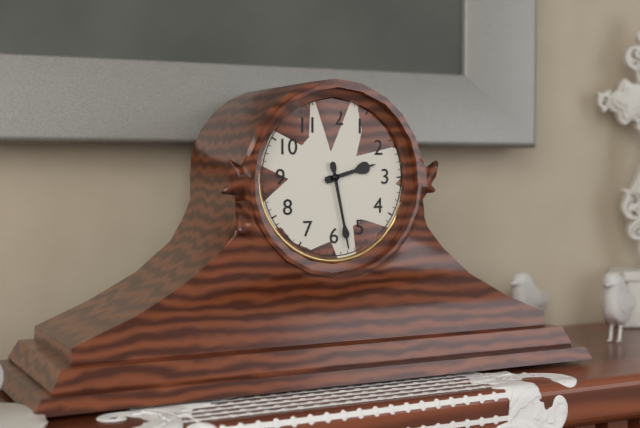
2.28
